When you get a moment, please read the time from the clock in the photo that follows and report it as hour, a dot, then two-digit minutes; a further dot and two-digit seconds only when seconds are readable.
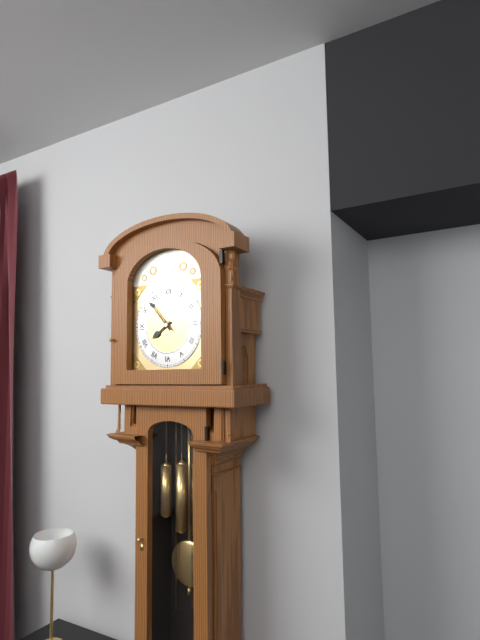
7.53
